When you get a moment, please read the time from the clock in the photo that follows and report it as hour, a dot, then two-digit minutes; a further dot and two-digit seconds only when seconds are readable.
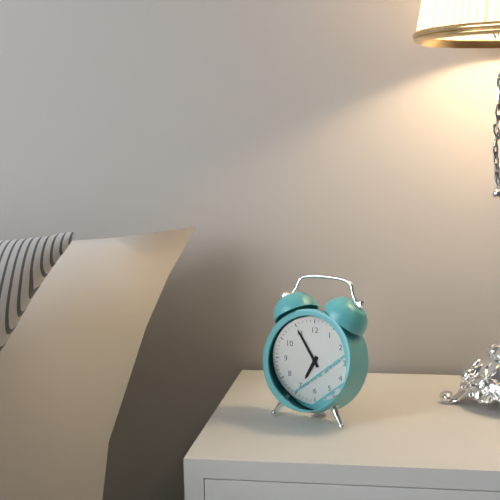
6.55
